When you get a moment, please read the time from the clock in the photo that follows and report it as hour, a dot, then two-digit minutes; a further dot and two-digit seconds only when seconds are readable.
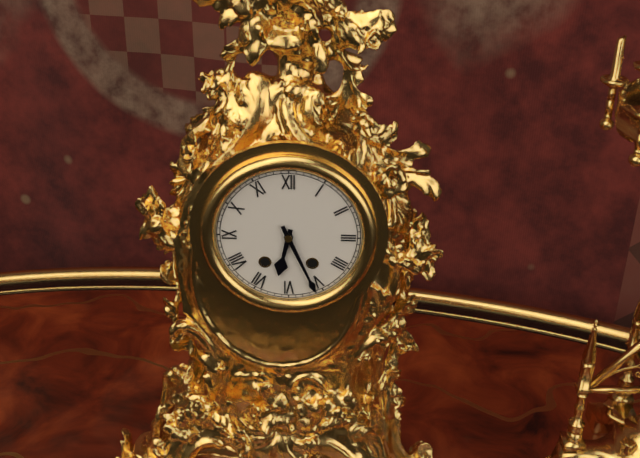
6.26
